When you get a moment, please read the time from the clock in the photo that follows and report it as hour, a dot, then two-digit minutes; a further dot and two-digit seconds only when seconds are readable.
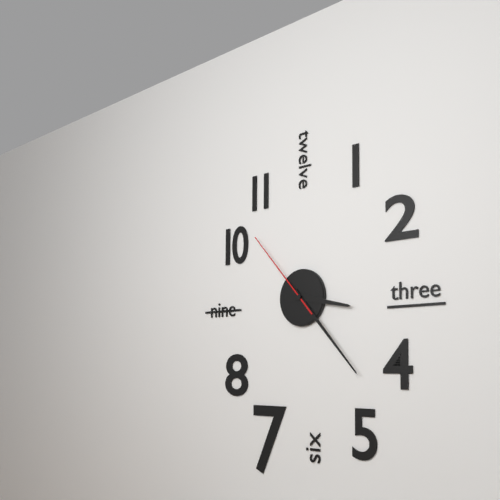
3.23.53
